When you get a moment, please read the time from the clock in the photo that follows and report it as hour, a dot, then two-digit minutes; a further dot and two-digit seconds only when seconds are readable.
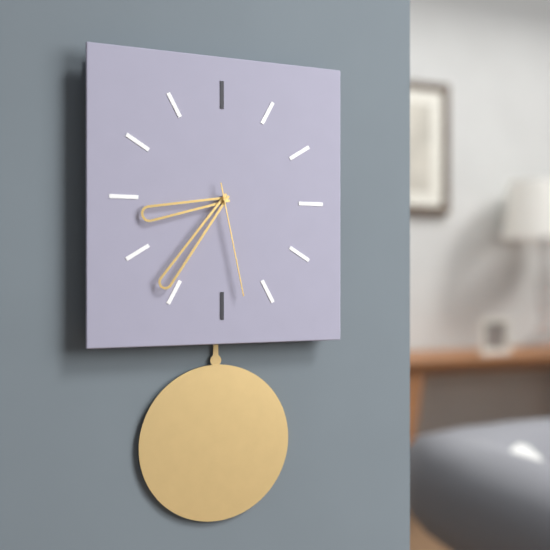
8.36.28
